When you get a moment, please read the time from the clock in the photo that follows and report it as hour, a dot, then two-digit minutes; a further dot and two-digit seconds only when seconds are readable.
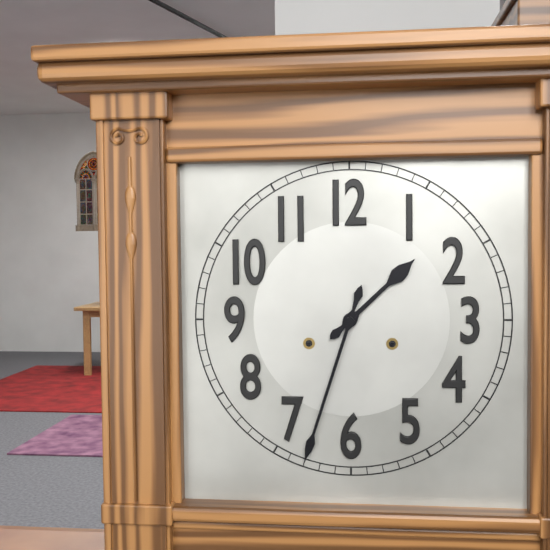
1.33
